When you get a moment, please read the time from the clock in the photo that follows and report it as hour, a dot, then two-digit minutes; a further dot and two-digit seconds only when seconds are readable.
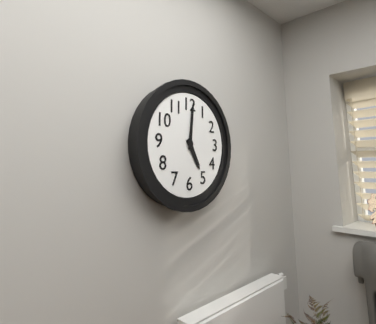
5.01
